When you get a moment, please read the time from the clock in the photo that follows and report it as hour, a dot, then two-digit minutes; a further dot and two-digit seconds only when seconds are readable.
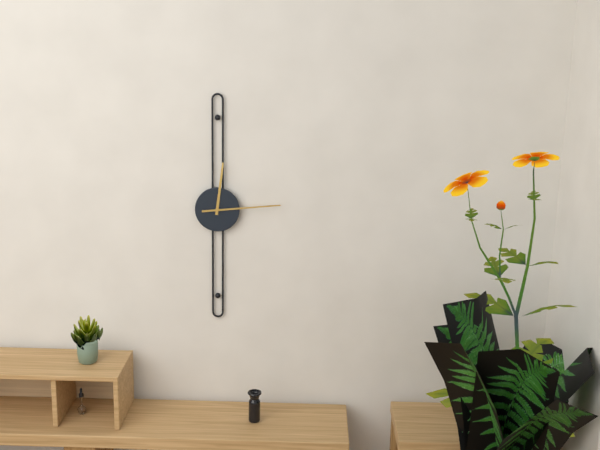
12.14
